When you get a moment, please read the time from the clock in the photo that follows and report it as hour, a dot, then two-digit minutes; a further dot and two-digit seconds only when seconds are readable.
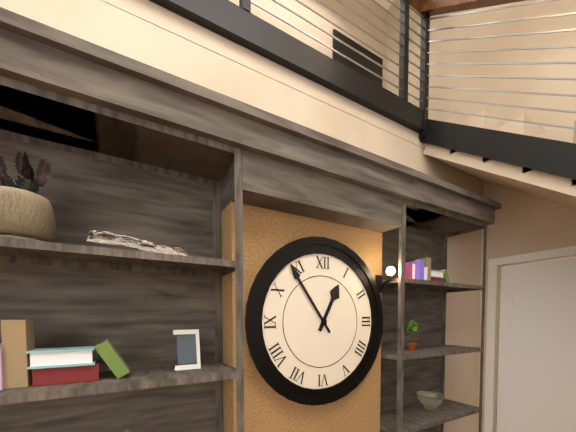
12.54
